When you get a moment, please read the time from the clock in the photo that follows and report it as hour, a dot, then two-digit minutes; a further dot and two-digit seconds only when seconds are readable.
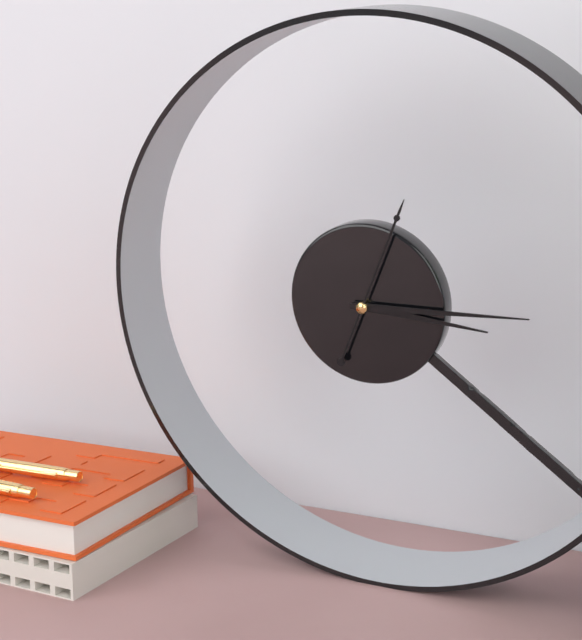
3.15.04
